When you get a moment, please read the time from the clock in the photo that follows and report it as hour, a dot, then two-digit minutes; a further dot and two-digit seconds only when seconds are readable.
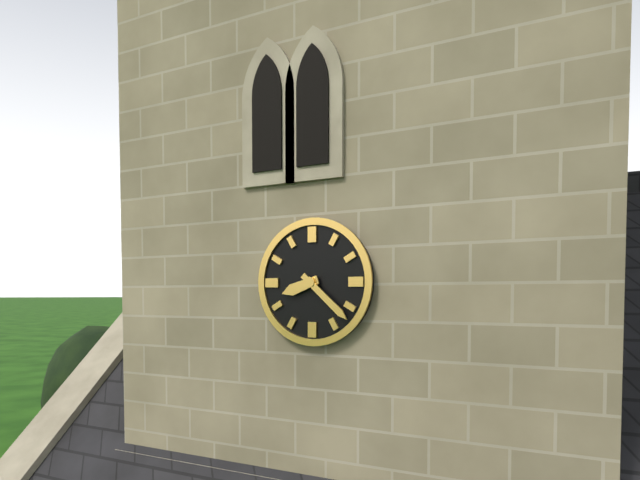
8.22
